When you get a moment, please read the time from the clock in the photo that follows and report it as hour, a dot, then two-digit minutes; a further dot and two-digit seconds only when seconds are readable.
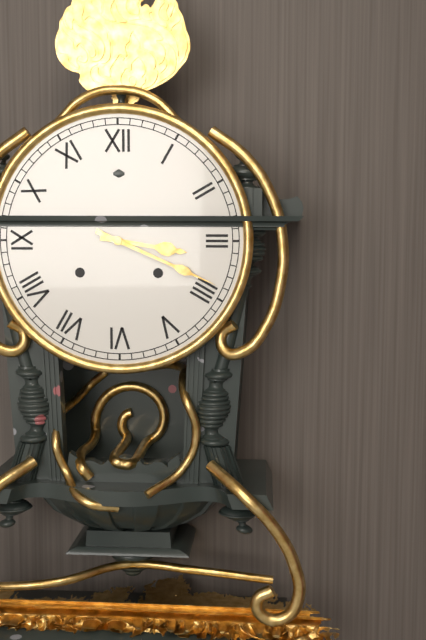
3.19
